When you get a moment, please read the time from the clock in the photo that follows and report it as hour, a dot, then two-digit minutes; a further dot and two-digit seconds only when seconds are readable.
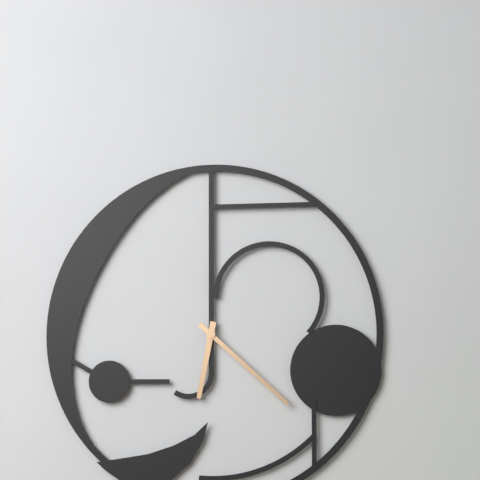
6.22
